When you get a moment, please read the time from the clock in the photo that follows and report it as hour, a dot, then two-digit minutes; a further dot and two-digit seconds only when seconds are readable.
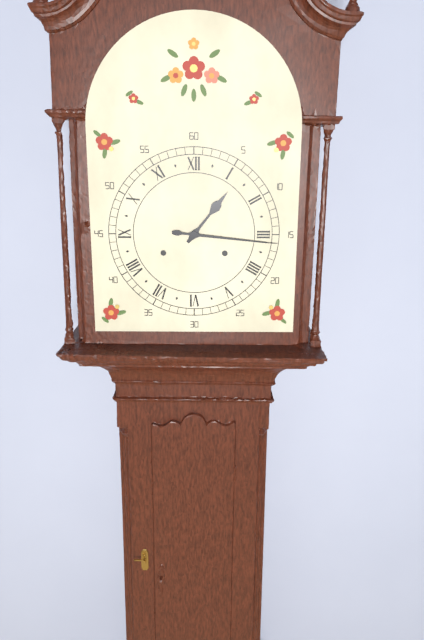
1.16
